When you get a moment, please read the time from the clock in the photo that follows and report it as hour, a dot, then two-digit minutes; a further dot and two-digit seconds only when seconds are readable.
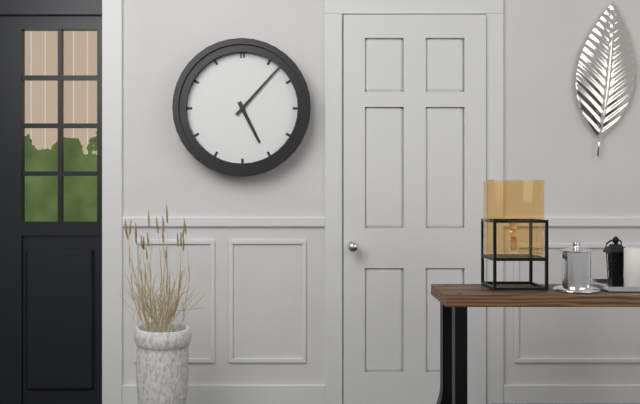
5.07
